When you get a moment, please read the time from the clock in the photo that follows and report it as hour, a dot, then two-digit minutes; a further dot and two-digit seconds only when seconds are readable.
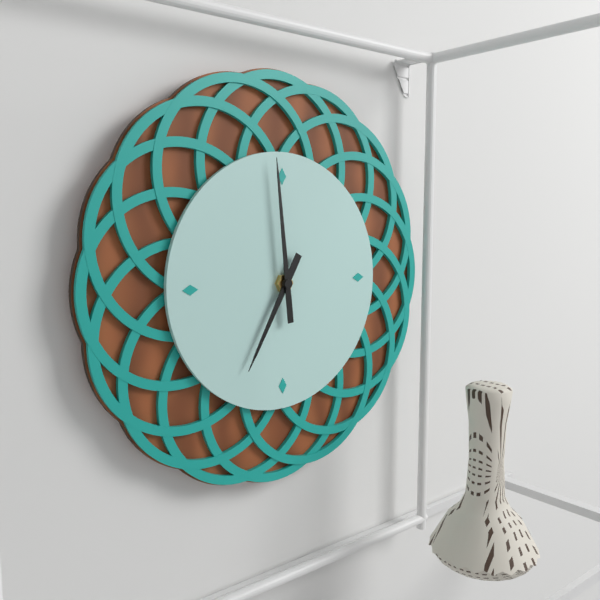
6.59
